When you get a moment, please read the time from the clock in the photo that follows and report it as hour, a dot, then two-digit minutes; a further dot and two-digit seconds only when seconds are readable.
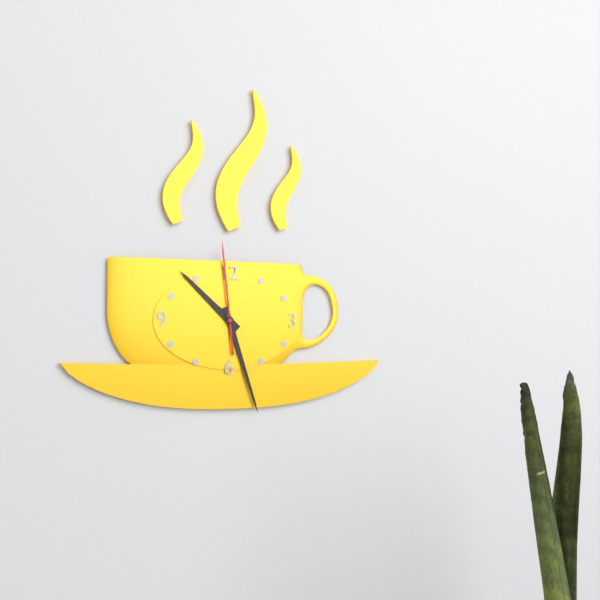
10.27.59
